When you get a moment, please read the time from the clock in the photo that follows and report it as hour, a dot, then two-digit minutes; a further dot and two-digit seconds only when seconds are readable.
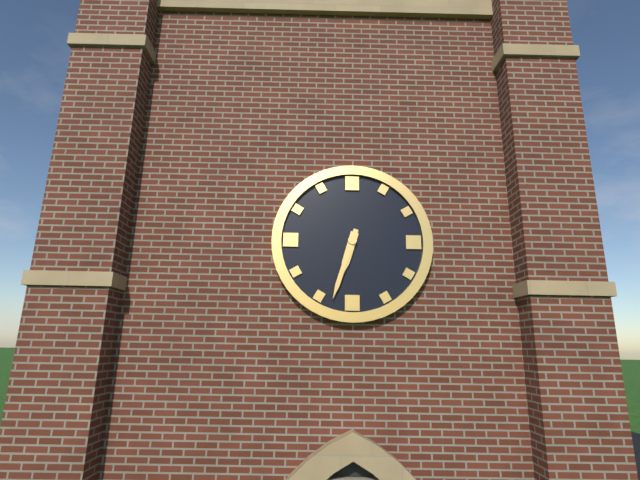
6.33
